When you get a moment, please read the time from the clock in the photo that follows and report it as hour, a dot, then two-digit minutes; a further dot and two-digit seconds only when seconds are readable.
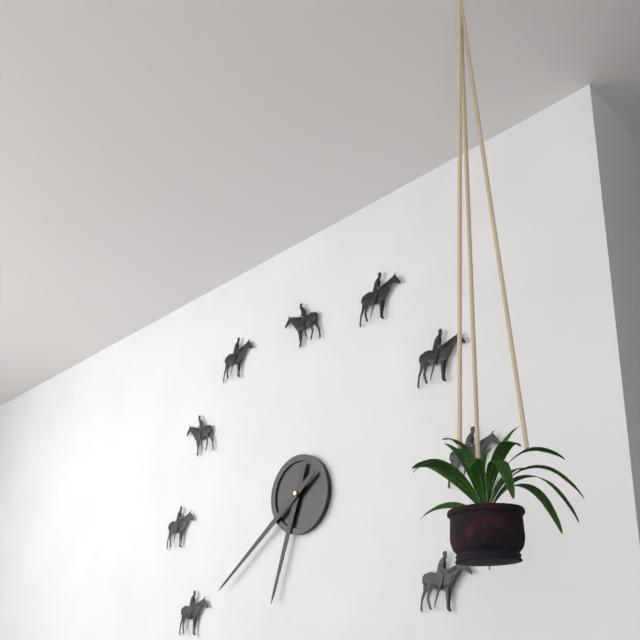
6.39
